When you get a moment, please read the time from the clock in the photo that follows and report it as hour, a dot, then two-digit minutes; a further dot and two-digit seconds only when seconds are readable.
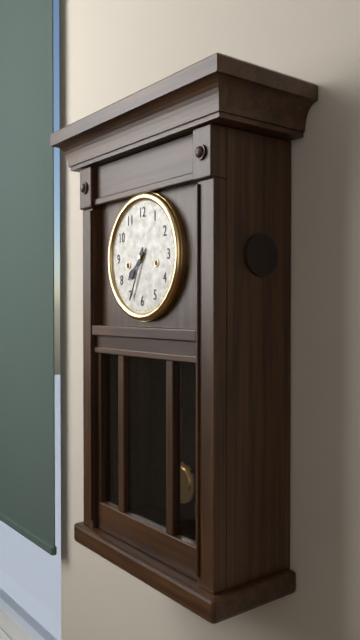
7.34
